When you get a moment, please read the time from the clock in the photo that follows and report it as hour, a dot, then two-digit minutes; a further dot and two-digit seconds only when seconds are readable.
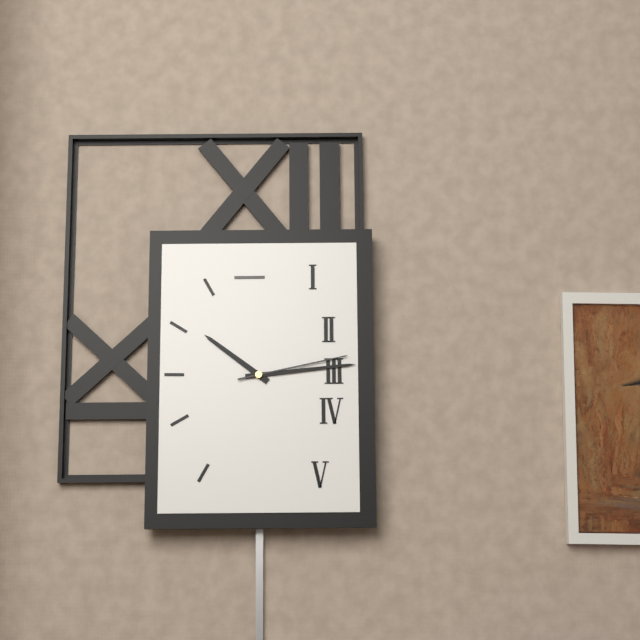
10.14.13
